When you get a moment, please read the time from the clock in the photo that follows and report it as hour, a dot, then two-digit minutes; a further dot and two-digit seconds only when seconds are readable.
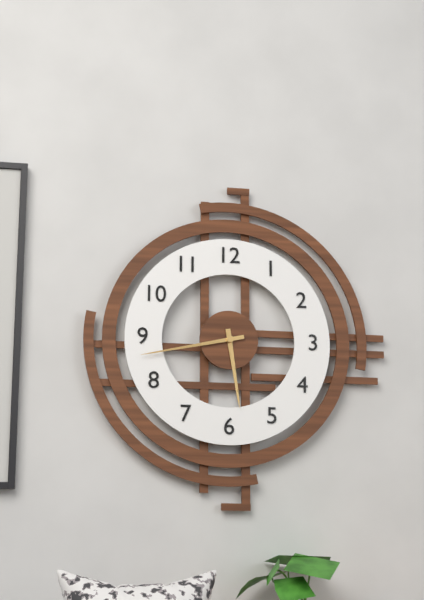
5.43
